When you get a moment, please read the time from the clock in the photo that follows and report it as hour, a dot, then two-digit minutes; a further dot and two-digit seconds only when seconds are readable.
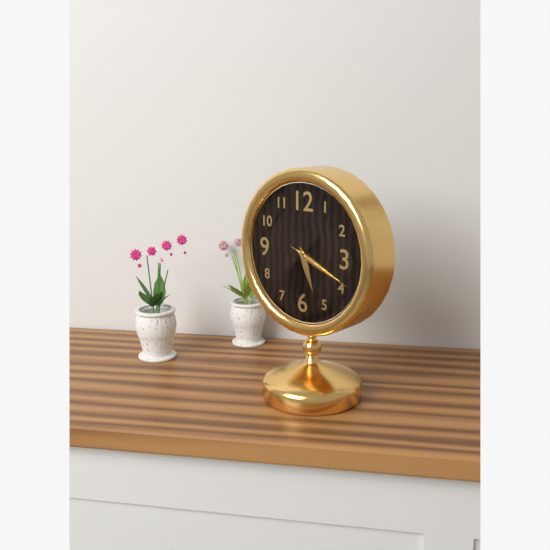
5.19.19
